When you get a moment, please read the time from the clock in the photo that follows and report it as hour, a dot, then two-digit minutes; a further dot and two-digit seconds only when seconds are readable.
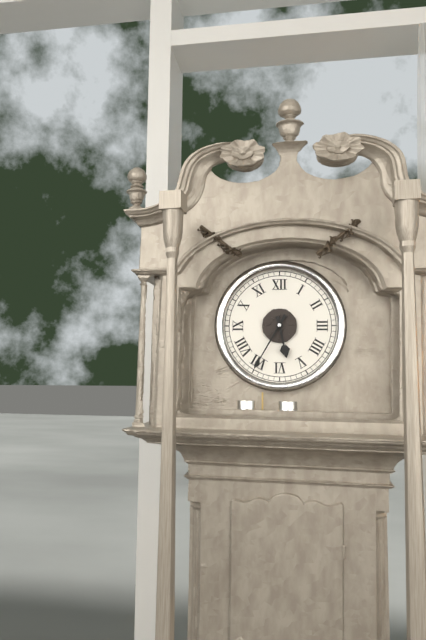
5.35
